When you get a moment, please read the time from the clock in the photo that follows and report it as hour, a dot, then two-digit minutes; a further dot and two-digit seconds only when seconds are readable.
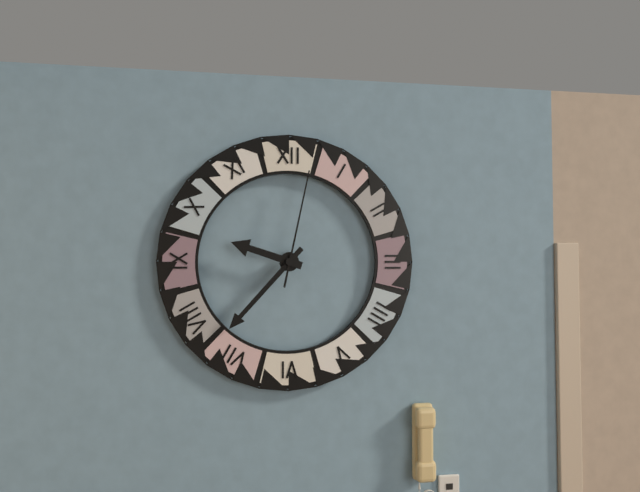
9.37.02
